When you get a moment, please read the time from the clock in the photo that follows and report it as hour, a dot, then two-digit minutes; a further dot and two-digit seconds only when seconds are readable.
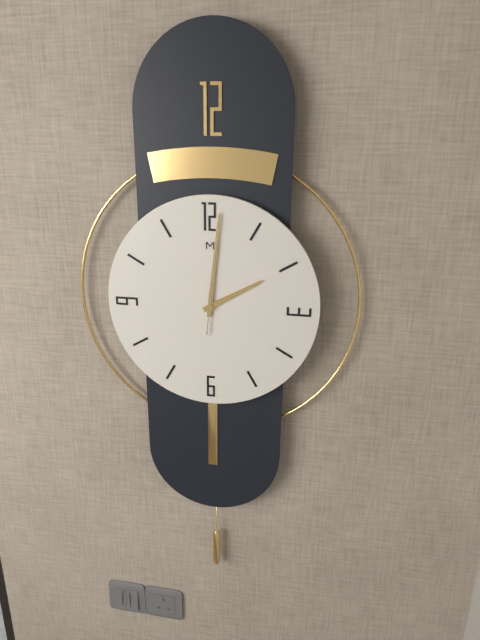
2.01.01
